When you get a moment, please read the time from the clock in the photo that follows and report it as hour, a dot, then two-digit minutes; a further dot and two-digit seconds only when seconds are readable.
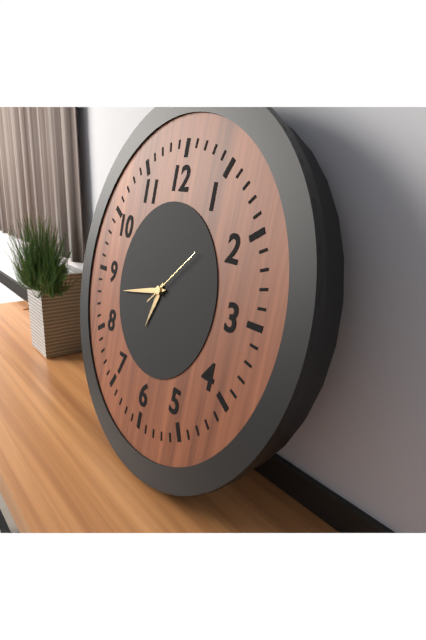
6.43.08
